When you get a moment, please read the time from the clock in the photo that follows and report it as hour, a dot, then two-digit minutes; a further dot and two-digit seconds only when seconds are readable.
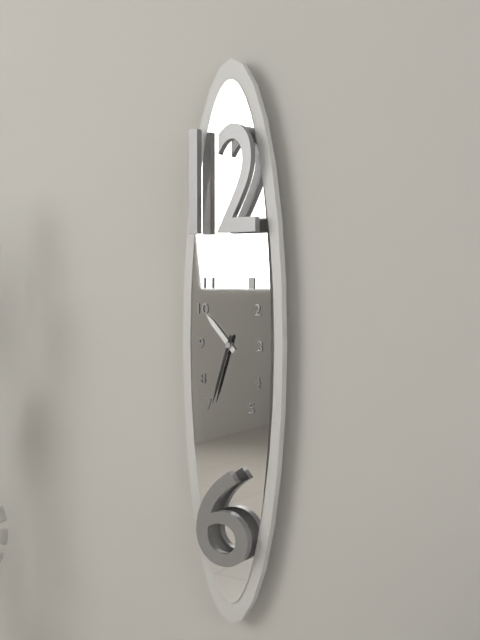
10.33
